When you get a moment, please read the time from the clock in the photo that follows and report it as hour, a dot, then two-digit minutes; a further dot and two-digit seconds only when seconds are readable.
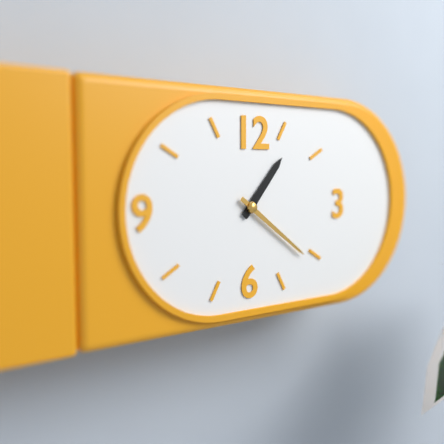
1.21
